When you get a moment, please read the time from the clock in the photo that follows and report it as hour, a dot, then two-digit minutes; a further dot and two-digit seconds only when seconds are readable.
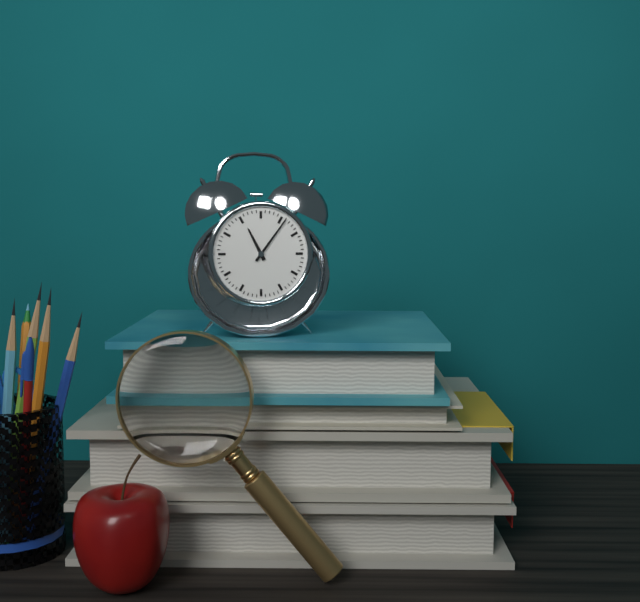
11.06
